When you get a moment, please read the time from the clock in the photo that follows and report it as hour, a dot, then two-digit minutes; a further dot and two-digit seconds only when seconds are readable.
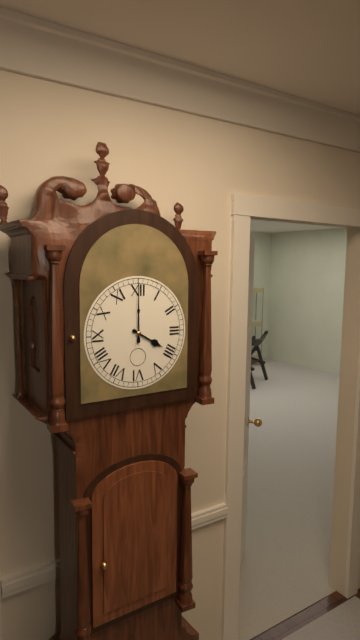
4.00
